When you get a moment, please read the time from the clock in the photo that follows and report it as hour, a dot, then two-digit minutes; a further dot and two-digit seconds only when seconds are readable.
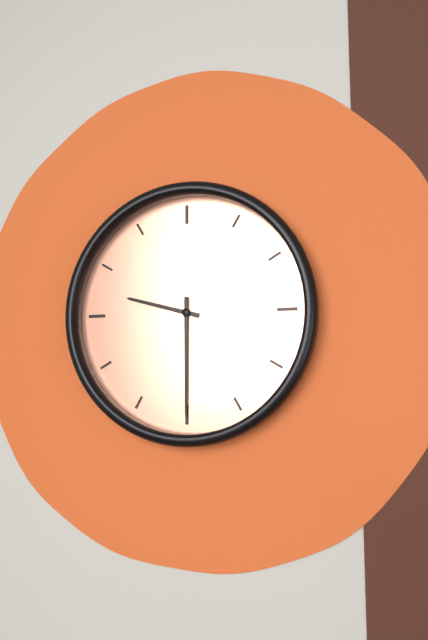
9.30
